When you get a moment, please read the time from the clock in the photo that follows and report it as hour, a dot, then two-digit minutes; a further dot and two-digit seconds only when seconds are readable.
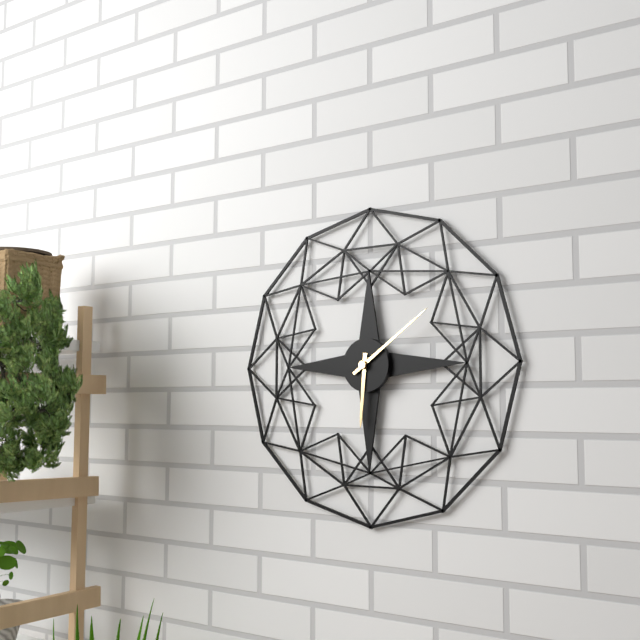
6.09
